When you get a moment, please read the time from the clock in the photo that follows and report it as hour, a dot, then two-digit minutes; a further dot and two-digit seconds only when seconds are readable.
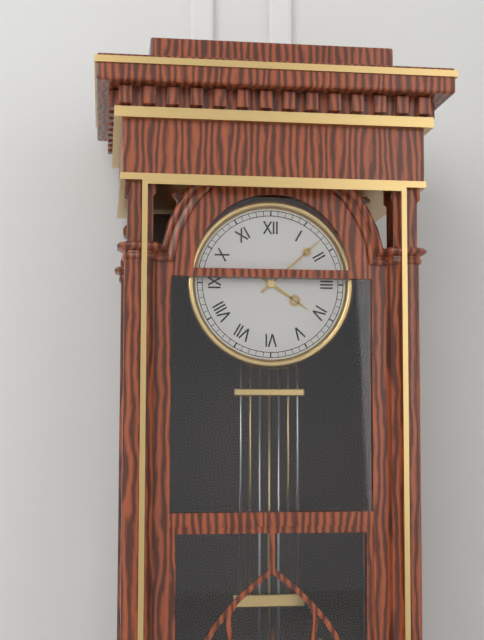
4.08
